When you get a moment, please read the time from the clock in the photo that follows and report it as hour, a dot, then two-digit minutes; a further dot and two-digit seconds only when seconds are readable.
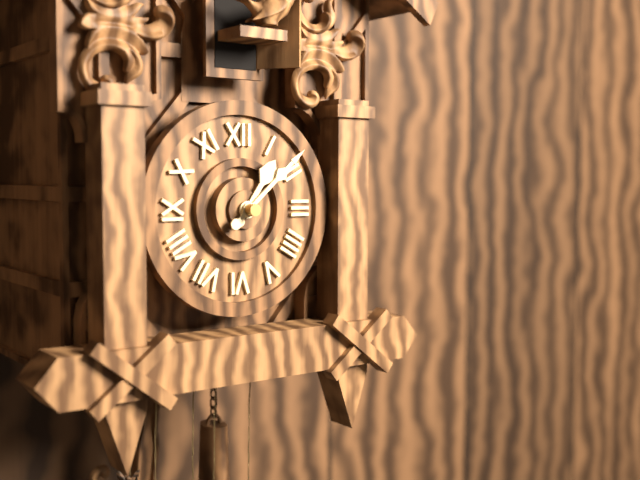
1.08
